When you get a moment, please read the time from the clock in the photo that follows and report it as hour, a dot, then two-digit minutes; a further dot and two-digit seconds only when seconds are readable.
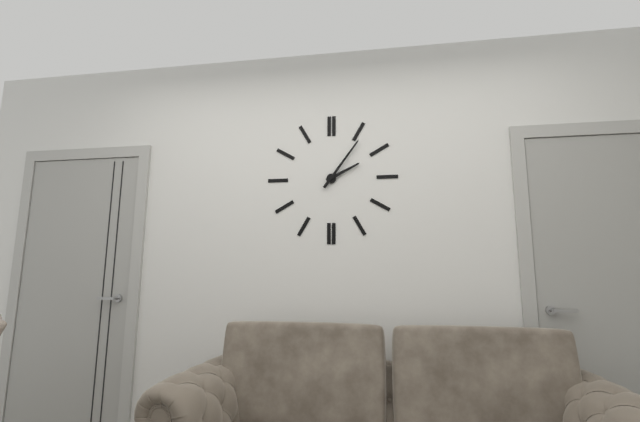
2.06
